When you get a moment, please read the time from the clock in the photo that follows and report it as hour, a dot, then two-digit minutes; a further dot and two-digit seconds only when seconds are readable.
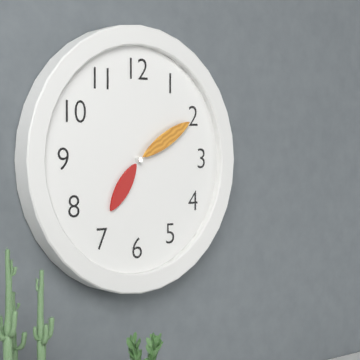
7.10
